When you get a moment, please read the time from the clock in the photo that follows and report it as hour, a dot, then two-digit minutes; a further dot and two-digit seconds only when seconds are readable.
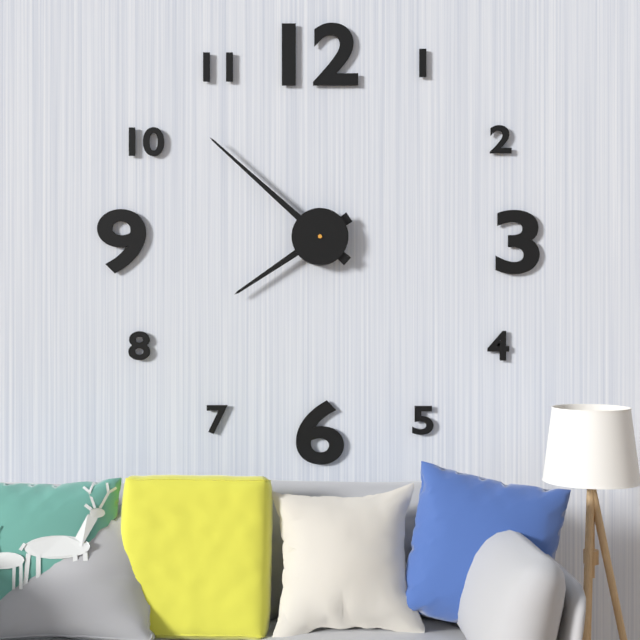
7.52
